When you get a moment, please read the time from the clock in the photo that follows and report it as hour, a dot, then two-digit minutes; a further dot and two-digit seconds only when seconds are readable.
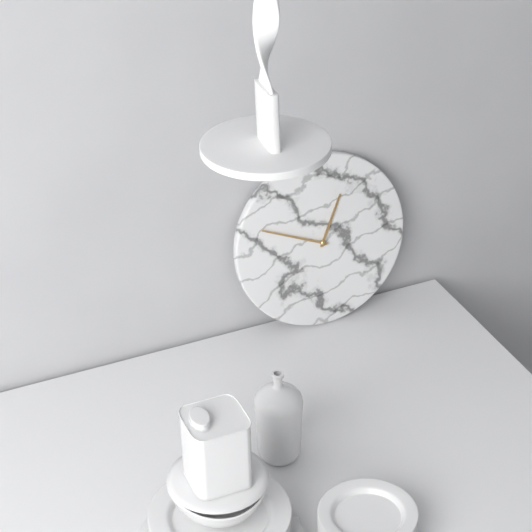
12.49
